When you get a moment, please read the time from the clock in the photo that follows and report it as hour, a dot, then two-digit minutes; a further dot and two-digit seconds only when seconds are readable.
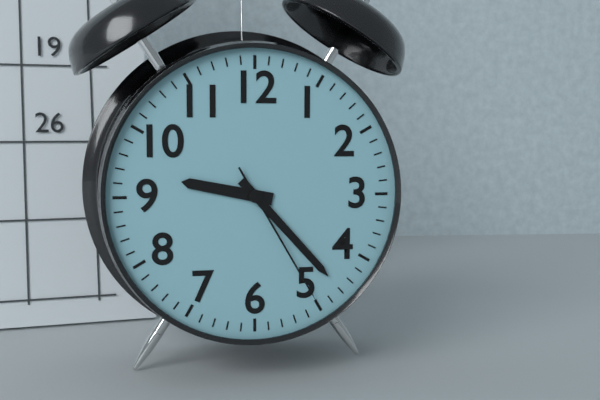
9.23.25
